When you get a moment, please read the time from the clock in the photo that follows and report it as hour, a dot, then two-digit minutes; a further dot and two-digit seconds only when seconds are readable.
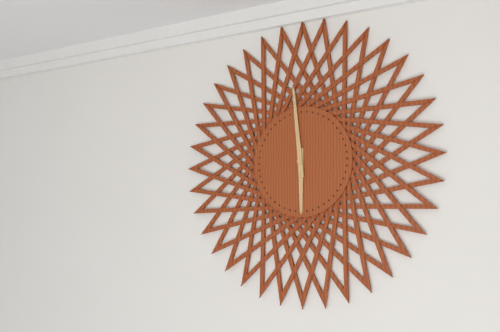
5.59
